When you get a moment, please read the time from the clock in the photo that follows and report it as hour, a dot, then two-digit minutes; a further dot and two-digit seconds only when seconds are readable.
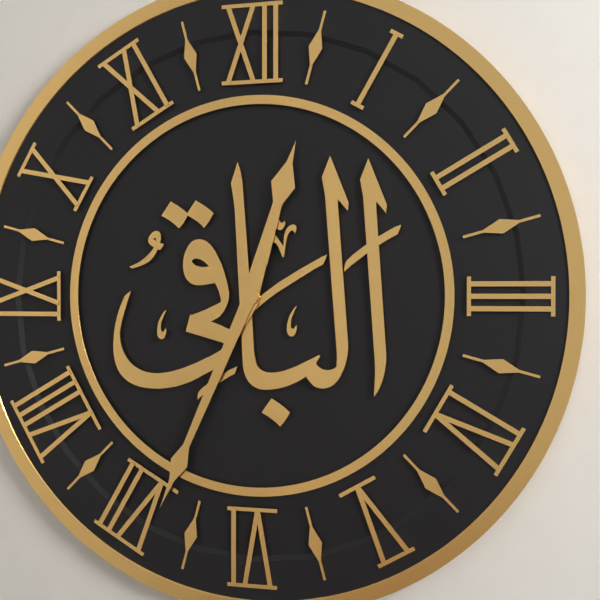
12.34
